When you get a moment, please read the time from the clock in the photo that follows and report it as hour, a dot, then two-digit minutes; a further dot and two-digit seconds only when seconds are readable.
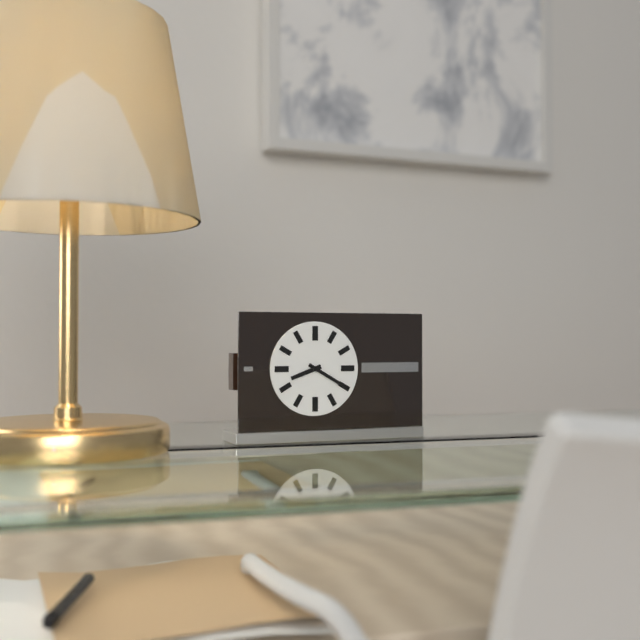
8.20
